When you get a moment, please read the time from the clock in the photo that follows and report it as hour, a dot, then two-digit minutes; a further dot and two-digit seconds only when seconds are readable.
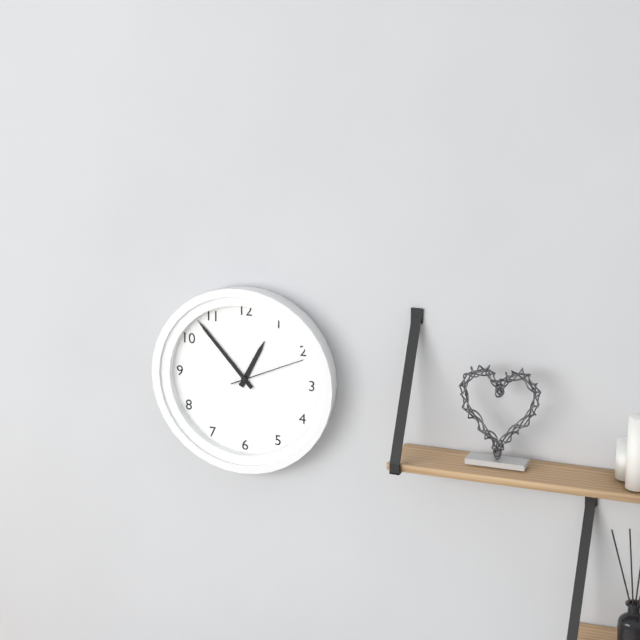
12.53.11
